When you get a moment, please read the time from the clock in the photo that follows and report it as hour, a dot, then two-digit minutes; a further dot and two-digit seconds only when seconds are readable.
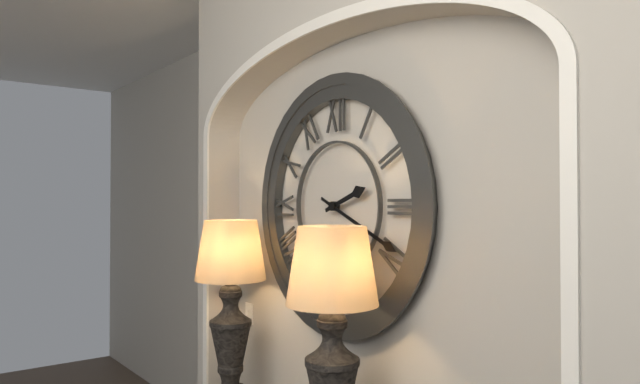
2.19
